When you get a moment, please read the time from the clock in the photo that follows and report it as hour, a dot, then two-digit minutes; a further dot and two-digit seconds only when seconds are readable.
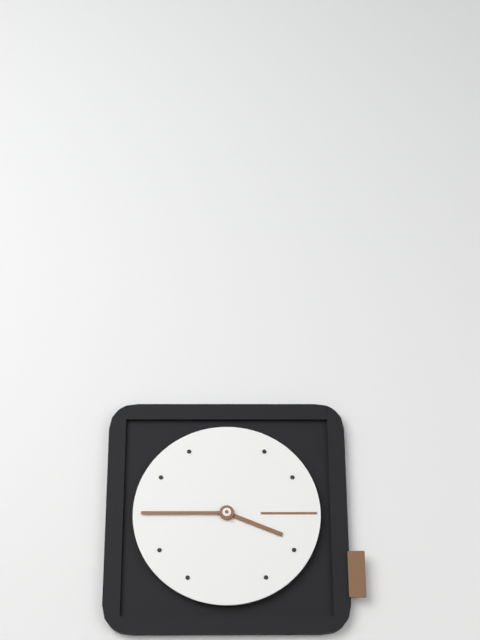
3.45
